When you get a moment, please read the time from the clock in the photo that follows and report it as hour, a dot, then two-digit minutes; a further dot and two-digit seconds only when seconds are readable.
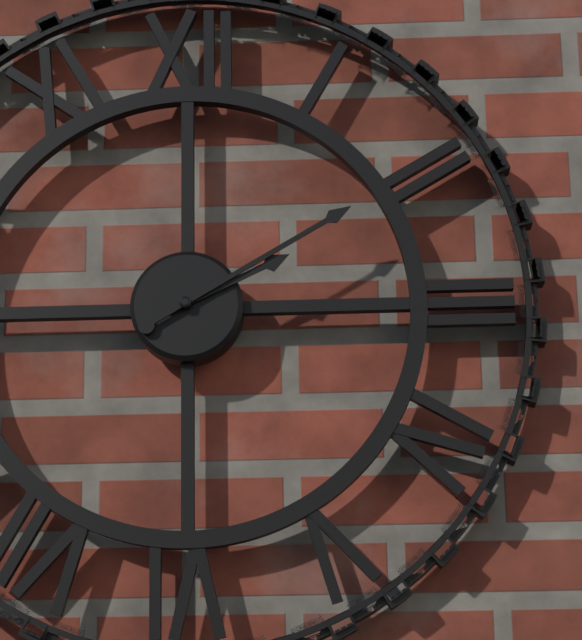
2.10
